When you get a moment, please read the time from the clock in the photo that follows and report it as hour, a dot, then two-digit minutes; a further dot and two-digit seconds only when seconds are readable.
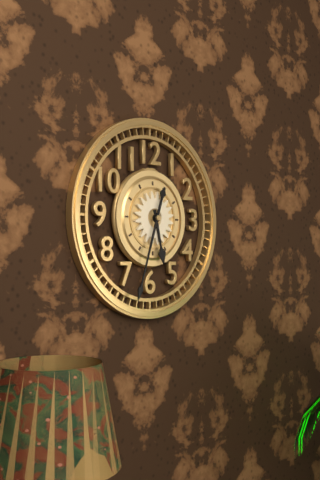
5.33
